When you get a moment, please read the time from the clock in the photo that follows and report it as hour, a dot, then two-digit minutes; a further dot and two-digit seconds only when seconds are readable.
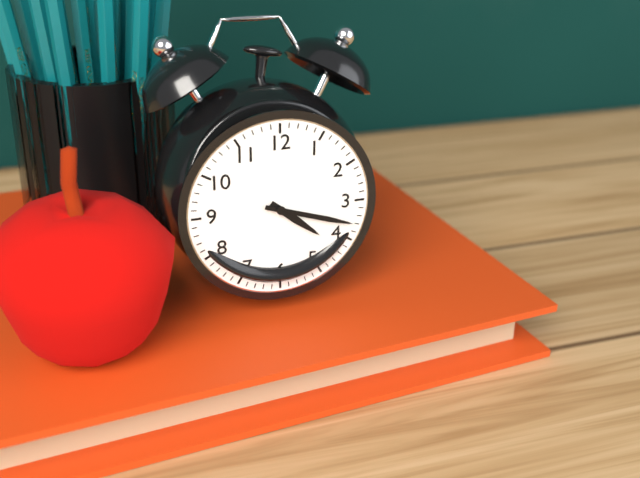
4.18
